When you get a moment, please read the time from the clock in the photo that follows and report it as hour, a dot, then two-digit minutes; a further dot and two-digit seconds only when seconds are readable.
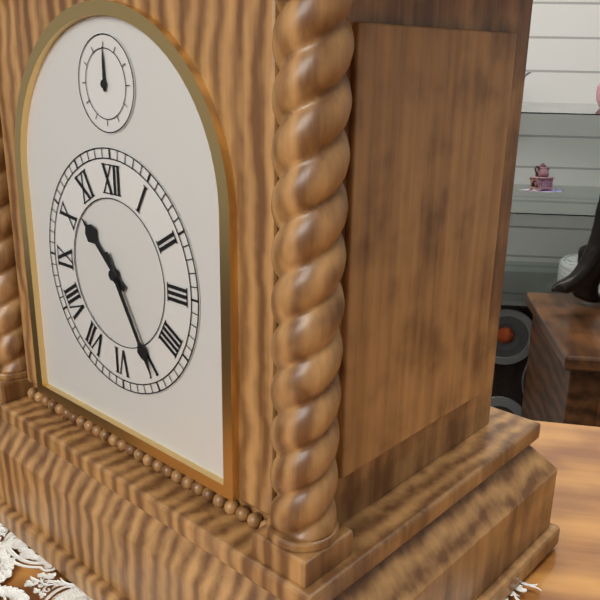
10.25
